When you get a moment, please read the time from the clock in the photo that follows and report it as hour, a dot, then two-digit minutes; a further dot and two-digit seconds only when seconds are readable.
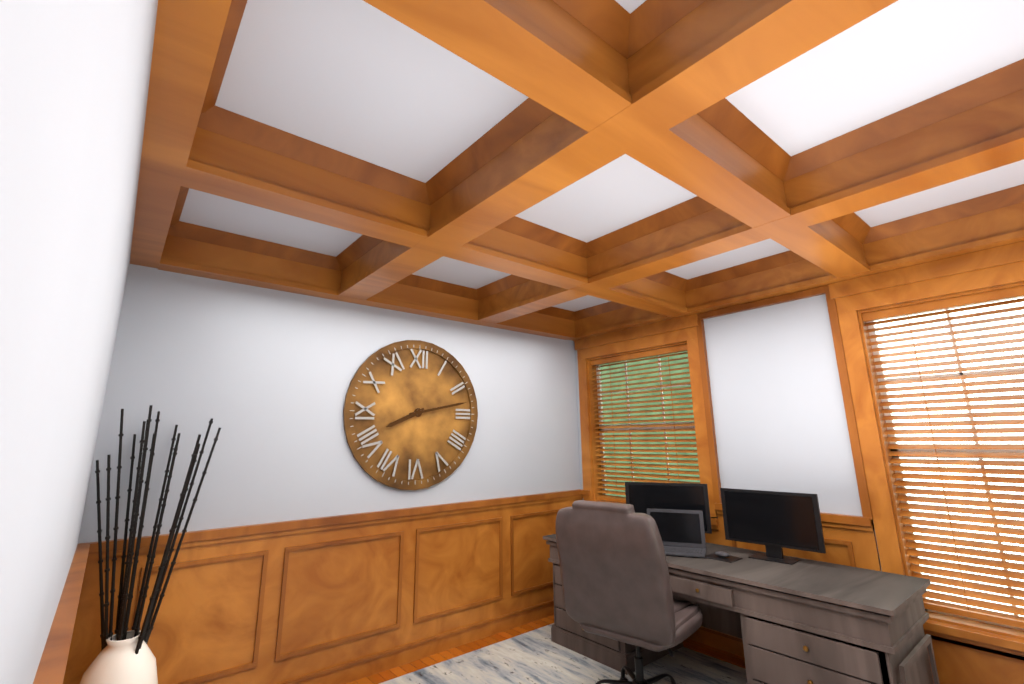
8.13
